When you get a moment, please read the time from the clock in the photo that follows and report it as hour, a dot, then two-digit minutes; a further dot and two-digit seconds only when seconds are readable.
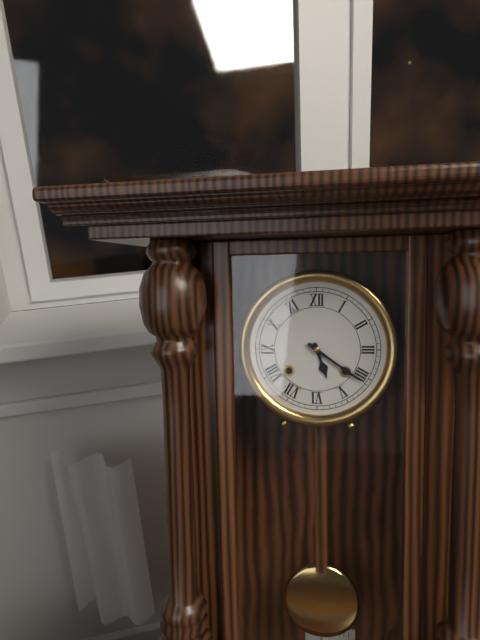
5.21
